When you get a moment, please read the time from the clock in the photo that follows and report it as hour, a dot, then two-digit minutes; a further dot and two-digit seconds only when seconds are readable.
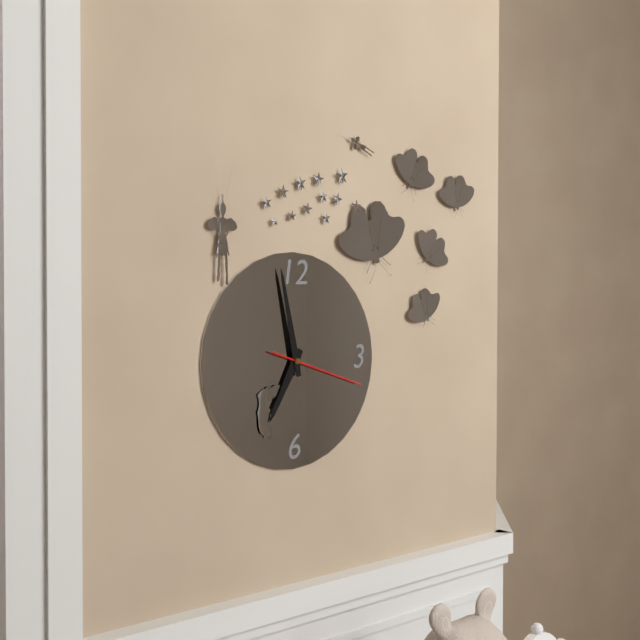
6.58.18
